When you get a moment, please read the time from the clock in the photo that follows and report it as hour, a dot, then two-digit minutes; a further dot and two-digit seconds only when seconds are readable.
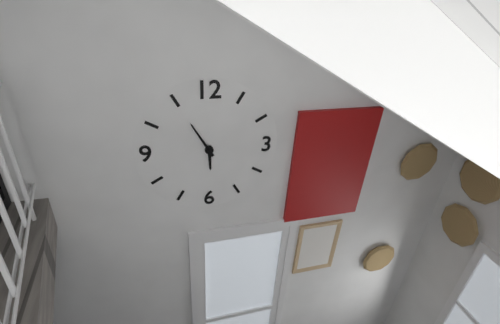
5.55
